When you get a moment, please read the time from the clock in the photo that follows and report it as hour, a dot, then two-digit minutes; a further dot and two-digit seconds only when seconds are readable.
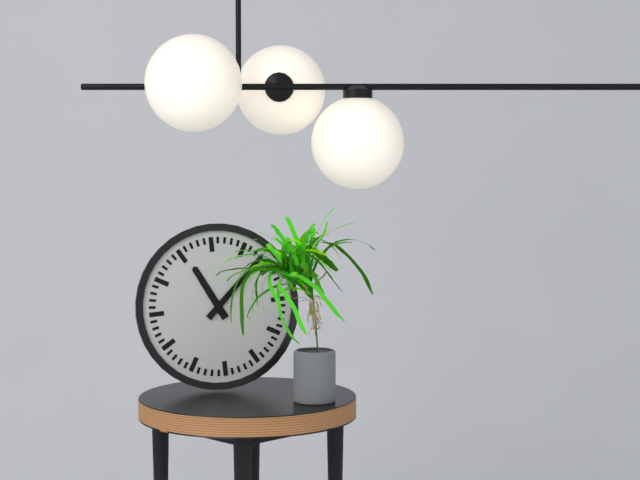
11.08
